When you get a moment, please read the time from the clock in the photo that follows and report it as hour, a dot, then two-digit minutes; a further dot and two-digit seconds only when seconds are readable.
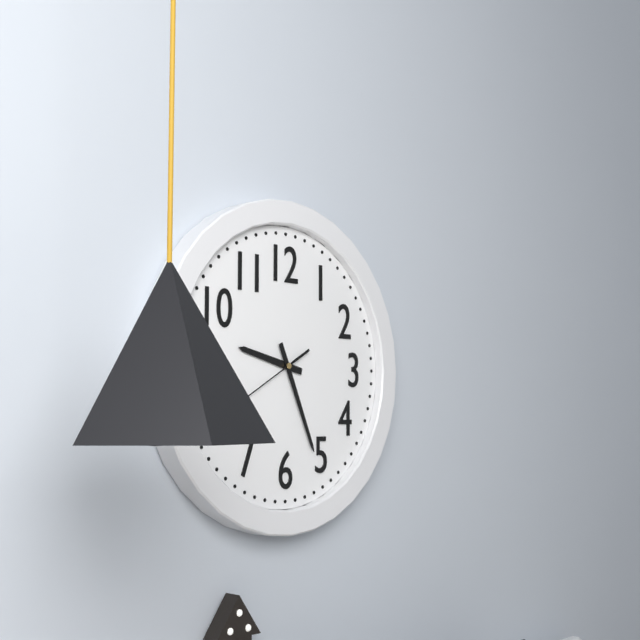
9.26.40
